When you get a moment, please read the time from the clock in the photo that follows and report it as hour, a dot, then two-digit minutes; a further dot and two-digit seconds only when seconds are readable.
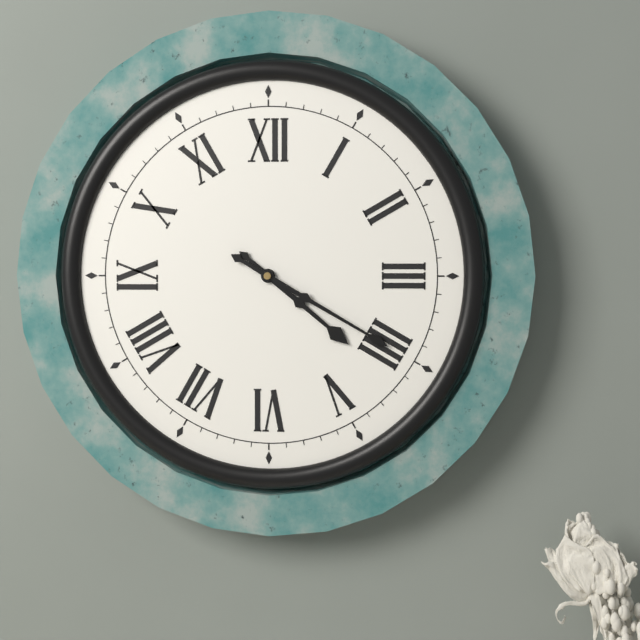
4.20
